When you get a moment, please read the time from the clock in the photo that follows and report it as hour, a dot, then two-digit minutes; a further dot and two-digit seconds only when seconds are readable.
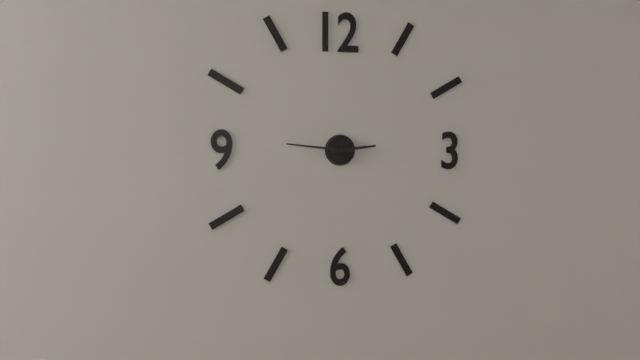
2.46
